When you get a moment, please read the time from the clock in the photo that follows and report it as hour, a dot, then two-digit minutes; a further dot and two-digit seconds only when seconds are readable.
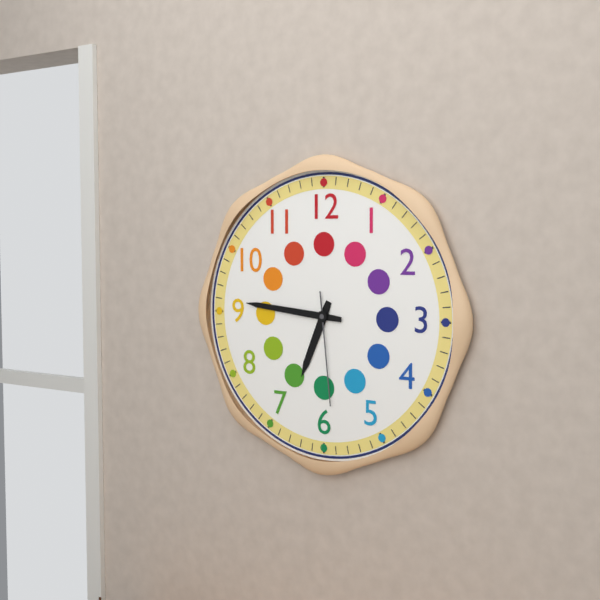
6.46.29
